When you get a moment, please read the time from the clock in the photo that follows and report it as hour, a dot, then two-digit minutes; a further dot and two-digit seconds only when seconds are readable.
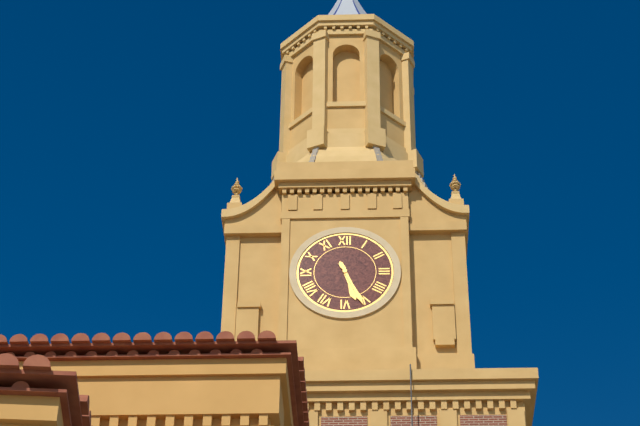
5.26
